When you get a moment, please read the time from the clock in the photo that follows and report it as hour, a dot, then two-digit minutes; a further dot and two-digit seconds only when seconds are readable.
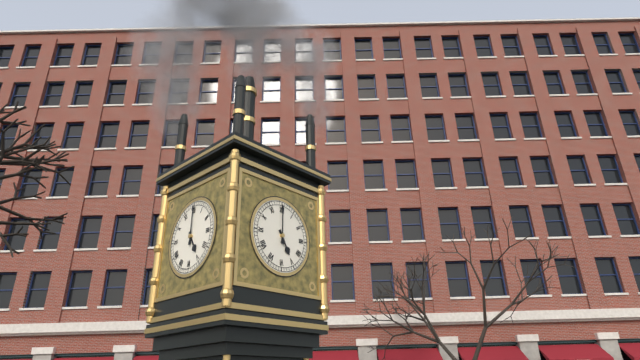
5.00
